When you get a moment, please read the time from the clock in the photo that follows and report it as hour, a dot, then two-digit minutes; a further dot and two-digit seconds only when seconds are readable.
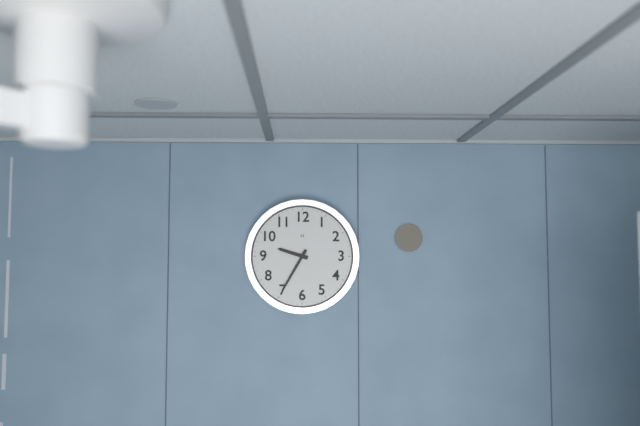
9.35
